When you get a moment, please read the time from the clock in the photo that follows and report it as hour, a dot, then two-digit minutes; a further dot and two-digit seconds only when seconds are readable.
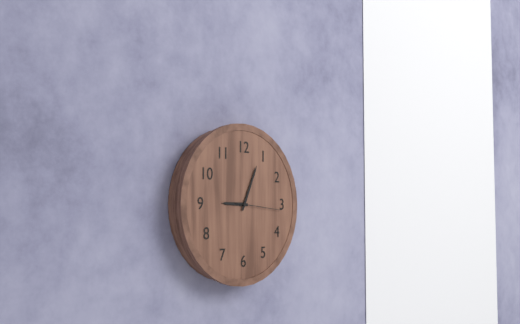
9.04
